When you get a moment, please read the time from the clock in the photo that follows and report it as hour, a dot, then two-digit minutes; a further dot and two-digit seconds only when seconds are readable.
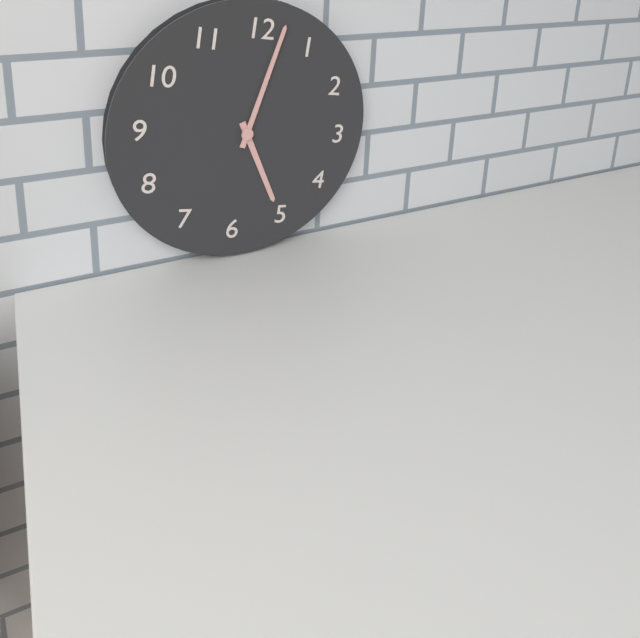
5.02
